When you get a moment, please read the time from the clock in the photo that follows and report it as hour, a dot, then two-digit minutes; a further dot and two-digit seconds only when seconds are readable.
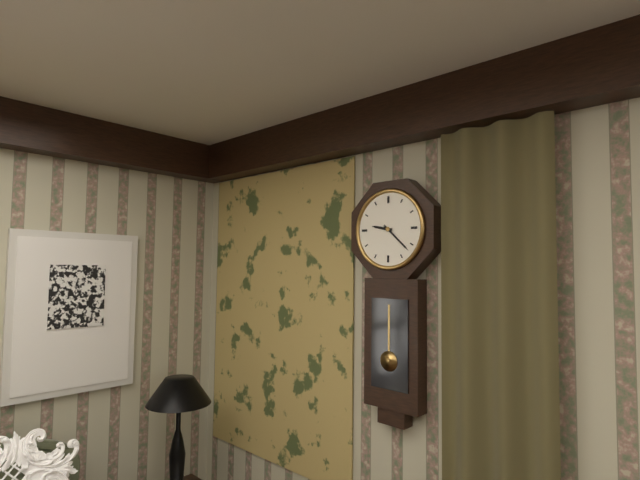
9.22
